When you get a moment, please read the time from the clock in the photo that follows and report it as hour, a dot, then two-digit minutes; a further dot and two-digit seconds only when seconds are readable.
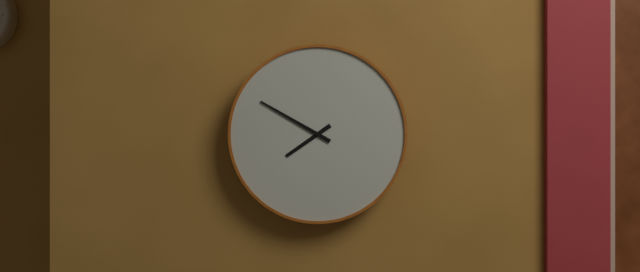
7.50
